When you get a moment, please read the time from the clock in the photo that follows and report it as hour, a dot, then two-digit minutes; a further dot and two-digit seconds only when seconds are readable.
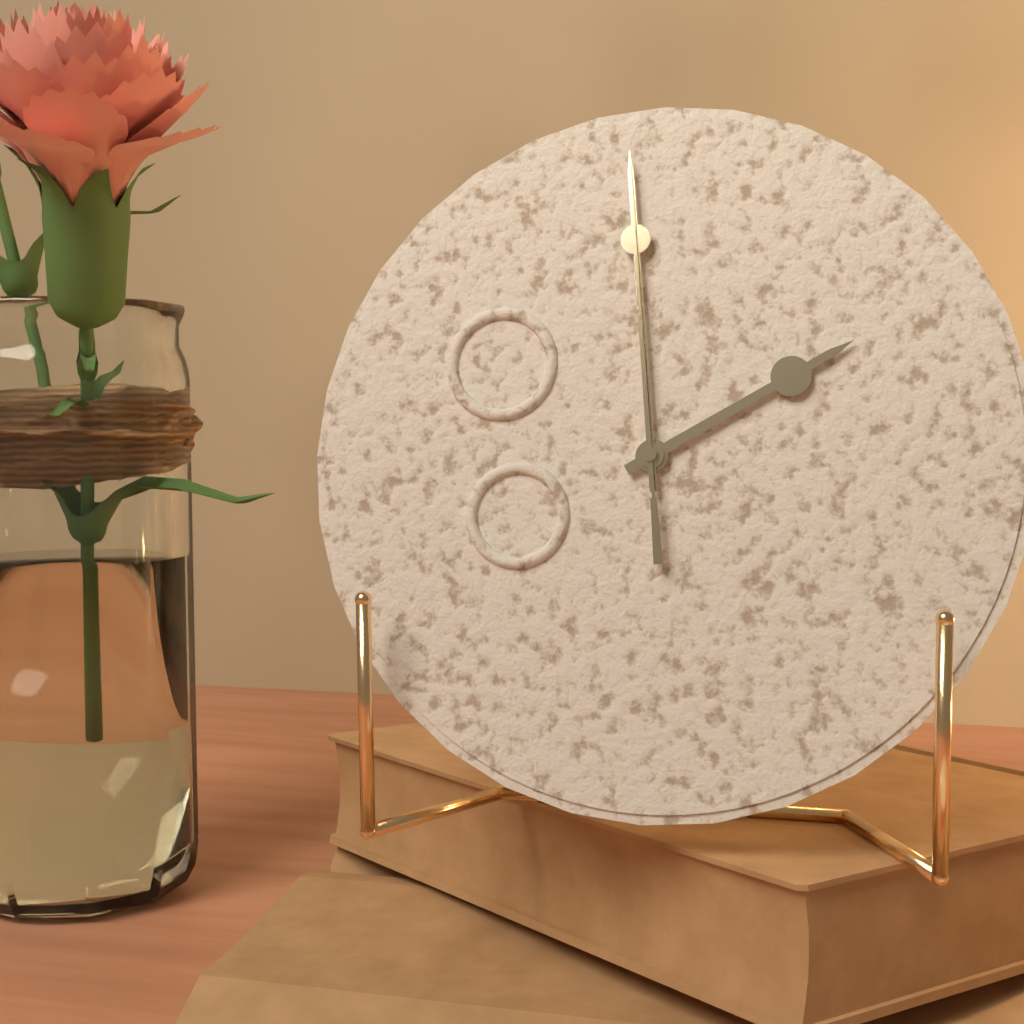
1.59.59
